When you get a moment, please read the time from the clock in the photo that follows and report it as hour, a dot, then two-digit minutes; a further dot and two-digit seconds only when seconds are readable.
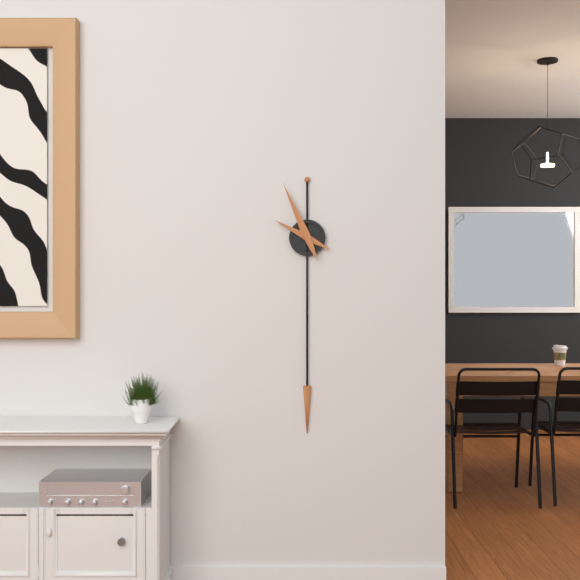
9.56
